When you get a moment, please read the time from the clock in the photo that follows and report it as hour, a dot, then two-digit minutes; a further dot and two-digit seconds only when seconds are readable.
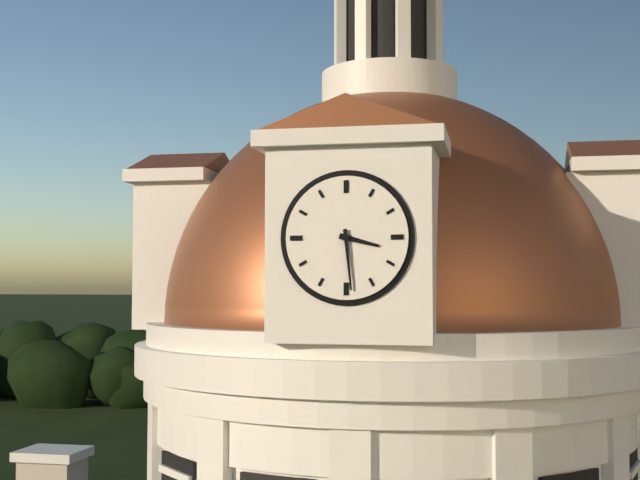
3.29
